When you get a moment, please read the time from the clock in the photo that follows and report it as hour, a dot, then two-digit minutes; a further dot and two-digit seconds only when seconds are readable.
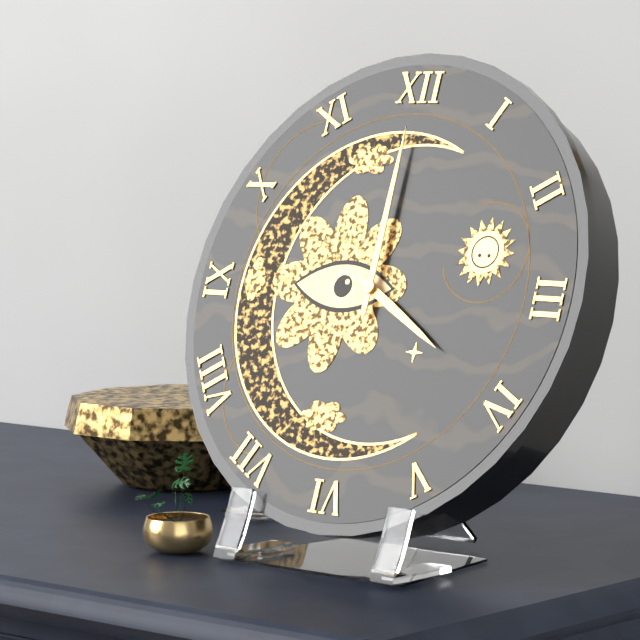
4.00
